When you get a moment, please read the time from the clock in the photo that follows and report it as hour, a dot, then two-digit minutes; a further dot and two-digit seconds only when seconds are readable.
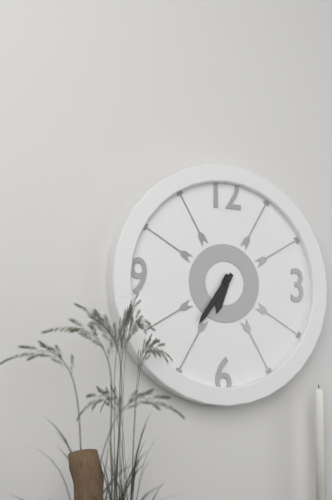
6.36
